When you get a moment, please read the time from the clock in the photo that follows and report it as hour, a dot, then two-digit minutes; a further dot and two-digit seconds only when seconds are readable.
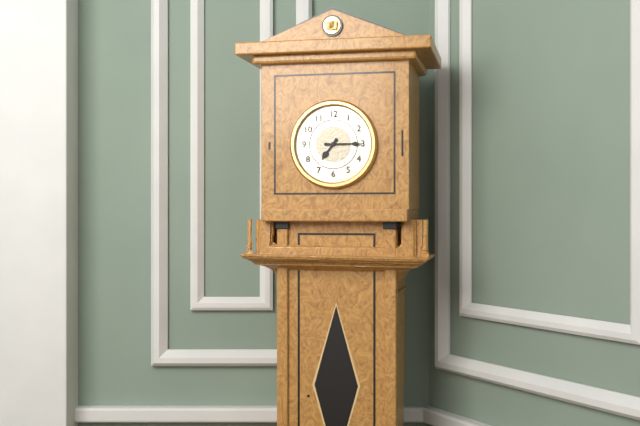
7.15
